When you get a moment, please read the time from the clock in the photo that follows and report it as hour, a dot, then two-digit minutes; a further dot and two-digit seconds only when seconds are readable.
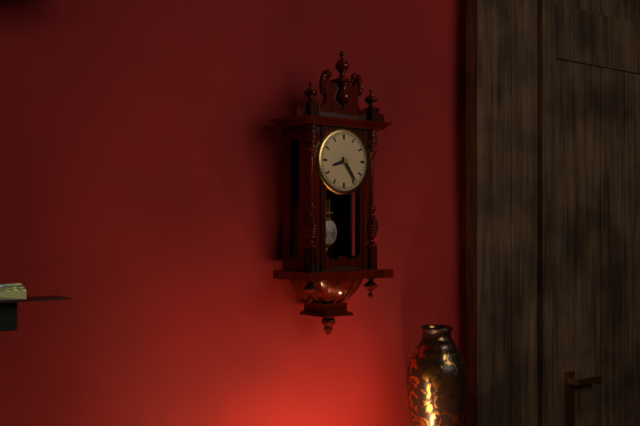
8.24
